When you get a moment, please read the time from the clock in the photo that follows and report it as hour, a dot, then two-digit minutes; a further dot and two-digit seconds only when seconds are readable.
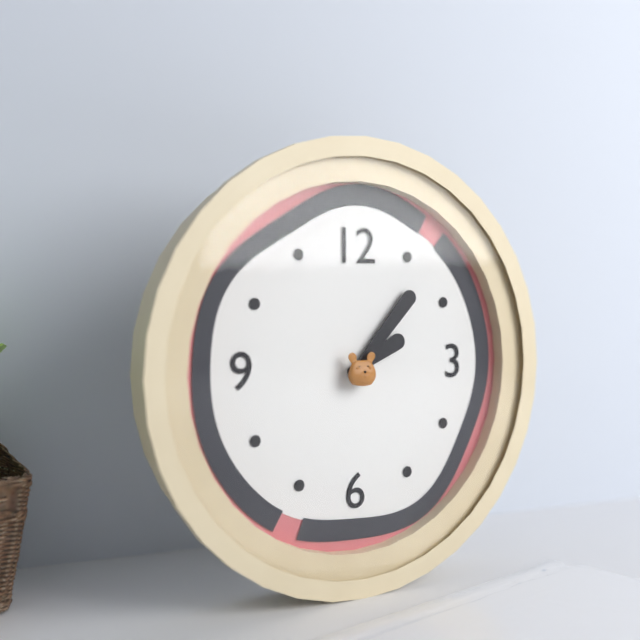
2.07
